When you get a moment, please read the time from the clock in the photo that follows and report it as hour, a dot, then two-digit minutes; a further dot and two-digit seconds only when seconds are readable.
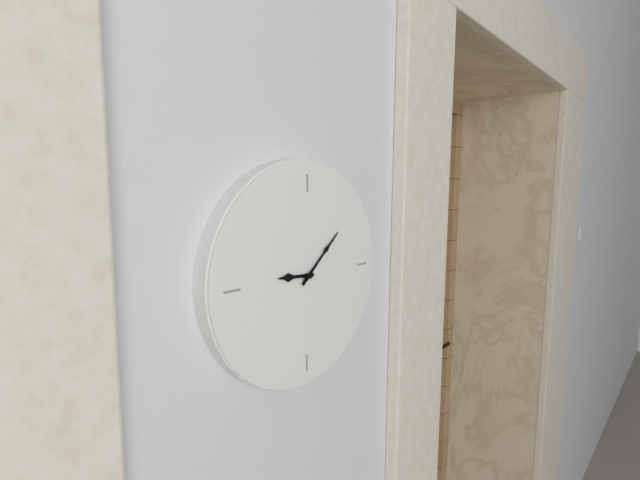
9.08
